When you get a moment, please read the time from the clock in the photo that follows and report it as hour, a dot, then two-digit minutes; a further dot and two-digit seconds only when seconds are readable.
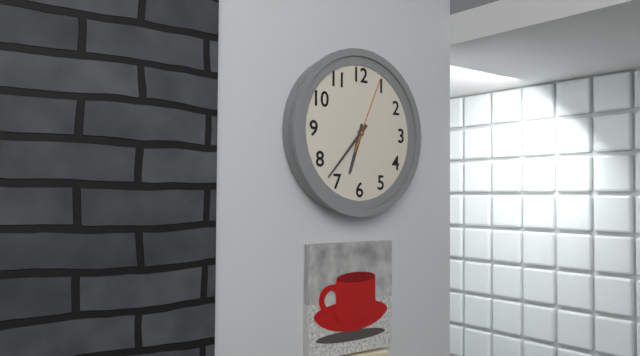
6.37.04
